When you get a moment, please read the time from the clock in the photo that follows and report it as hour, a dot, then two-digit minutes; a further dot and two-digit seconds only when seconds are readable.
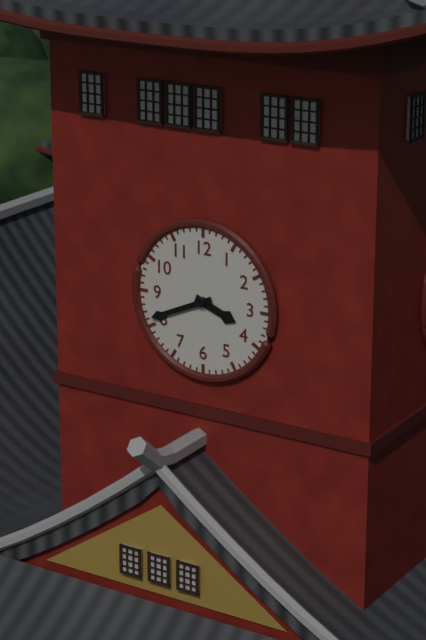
3.41
